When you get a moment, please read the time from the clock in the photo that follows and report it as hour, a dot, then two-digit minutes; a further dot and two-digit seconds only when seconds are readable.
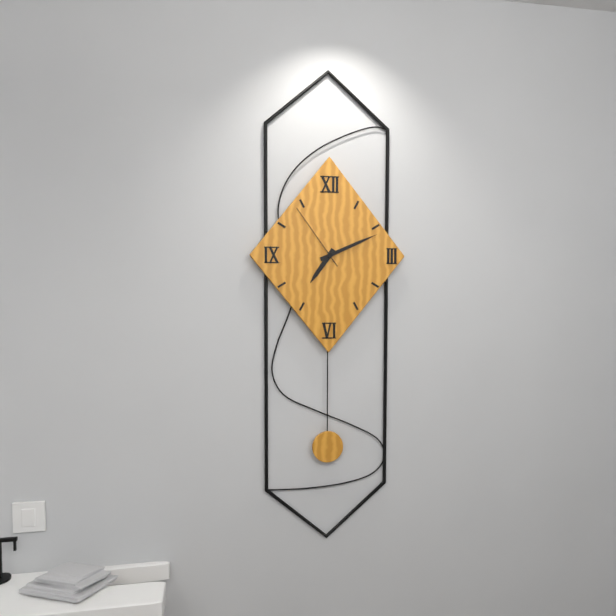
7.11.54
